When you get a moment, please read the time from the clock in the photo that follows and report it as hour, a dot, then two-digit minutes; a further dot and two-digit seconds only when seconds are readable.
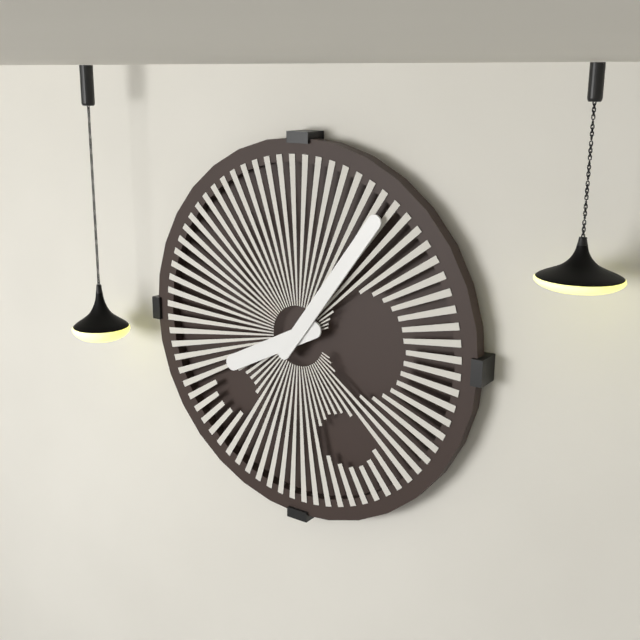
8.06
